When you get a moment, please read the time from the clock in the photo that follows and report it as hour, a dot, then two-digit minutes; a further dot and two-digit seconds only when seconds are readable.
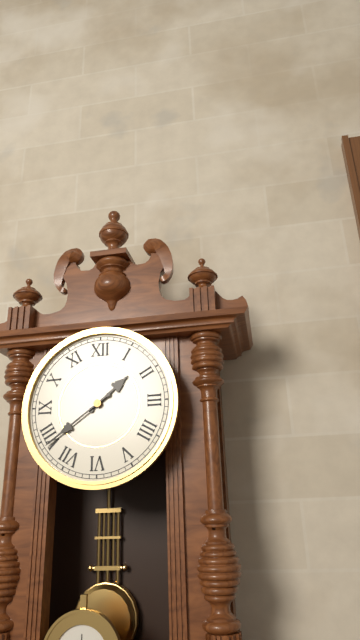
1.39
